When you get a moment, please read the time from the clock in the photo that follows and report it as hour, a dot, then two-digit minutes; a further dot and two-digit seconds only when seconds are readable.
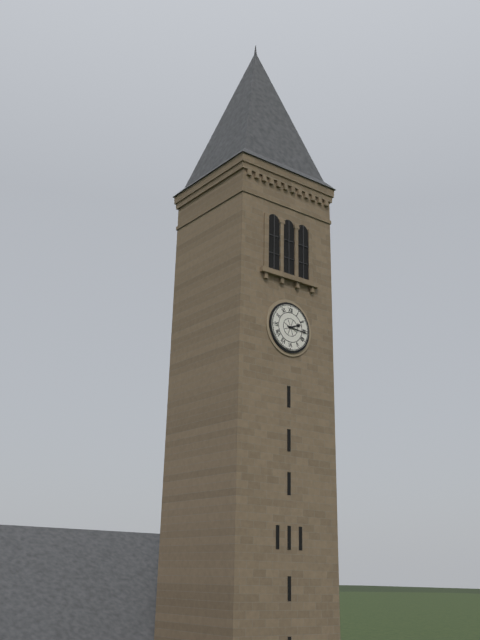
2.16
